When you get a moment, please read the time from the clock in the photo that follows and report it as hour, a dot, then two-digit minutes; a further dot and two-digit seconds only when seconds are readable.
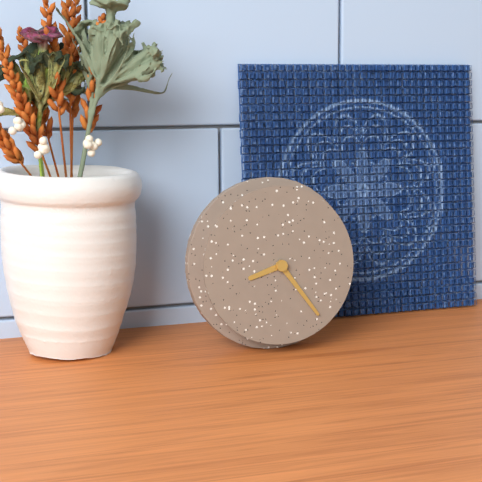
8.24
